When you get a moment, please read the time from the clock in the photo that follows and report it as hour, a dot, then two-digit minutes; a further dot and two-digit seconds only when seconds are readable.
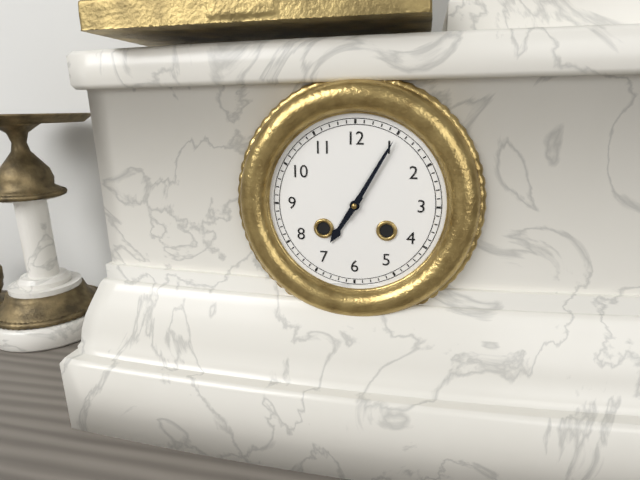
7.05
